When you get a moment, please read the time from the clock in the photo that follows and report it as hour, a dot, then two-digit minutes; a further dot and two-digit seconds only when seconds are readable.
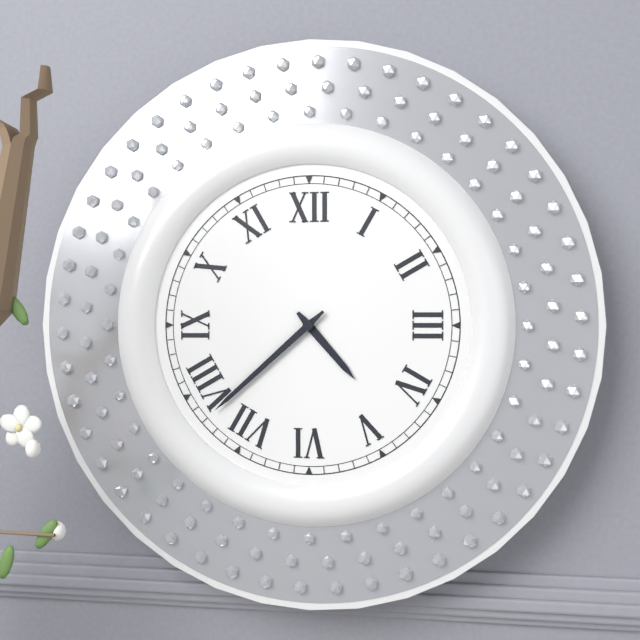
4.38
